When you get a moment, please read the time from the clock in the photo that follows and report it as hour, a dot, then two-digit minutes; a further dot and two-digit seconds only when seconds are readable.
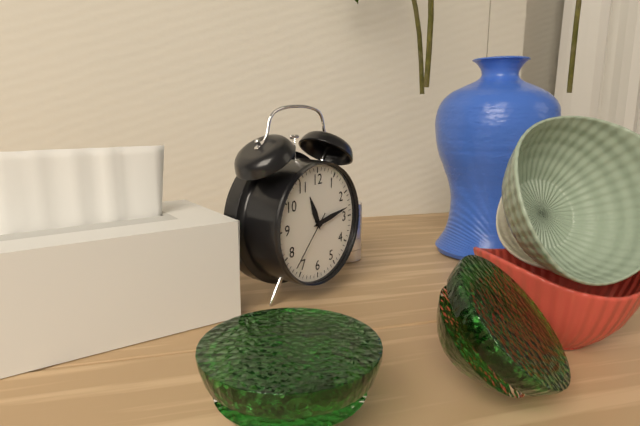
11.13.37
